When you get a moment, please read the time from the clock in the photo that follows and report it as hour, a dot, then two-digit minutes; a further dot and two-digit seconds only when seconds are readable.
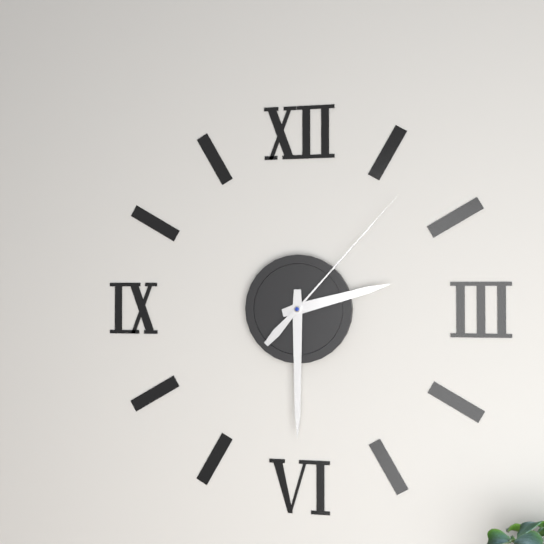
2.30.07
